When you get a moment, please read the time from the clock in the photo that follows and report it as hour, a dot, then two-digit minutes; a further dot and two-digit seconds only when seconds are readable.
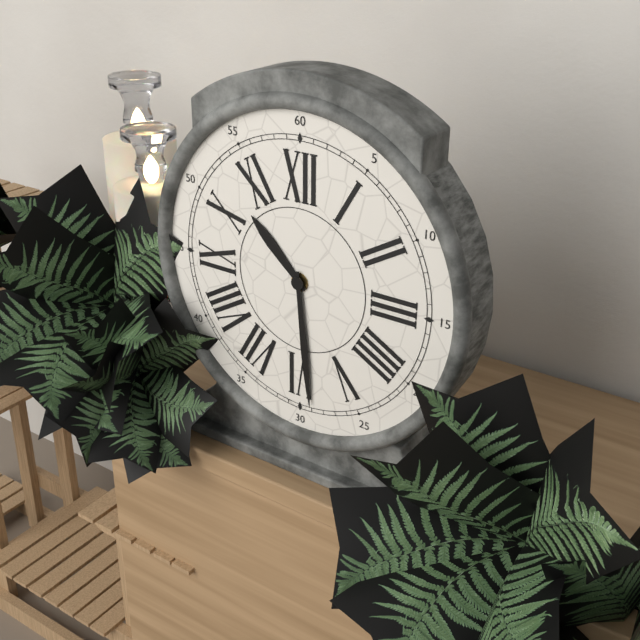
10.29
